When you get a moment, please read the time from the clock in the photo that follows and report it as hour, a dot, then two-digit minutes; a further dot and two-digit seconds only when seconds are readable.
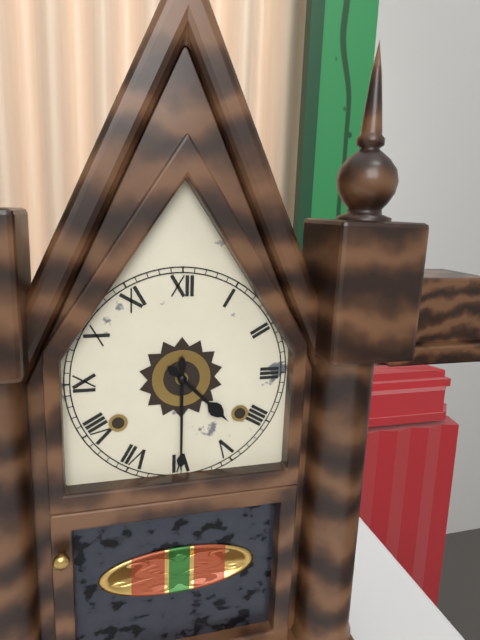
4.30
